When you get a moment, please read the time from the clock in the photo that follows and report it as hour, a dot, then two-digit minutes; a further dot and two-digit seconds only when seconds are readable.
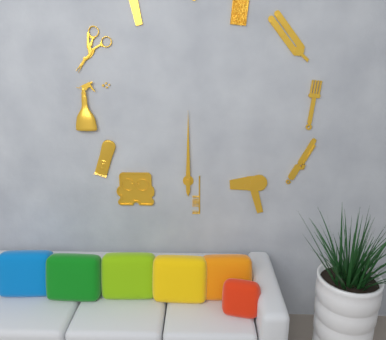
12.00
